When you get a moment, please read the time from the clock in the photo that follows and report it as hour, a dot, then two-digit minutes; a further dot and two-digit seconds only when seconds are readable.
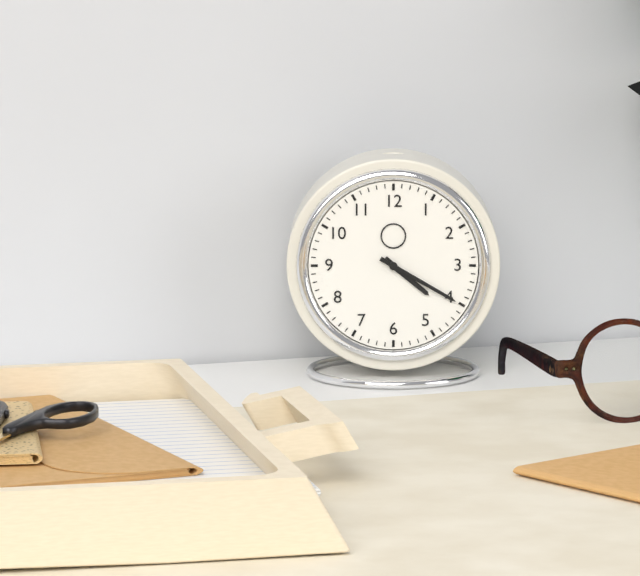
4.20
